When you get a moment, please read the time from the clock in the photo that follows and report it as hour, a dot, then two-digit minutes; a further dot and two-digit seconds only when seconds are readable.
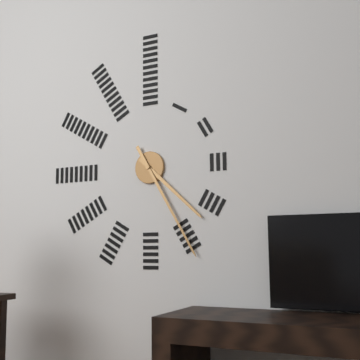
4.25
